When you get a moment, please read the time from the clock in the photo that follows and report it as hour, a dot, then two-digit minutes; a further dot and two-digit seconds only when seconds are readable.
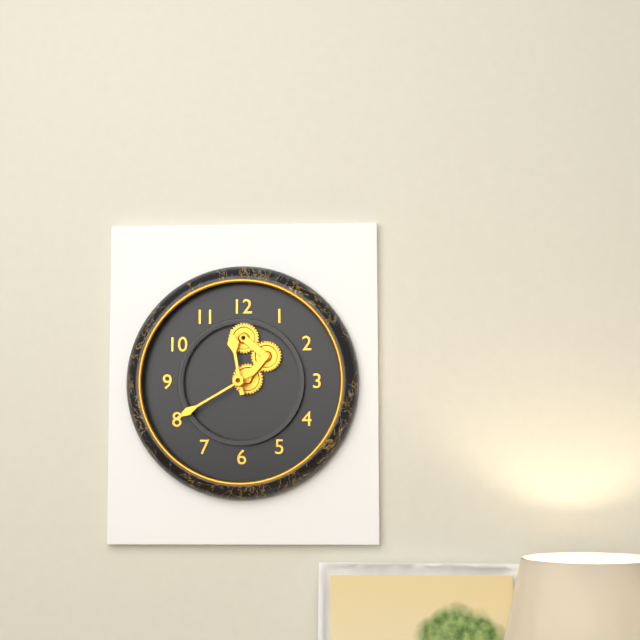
11.40
